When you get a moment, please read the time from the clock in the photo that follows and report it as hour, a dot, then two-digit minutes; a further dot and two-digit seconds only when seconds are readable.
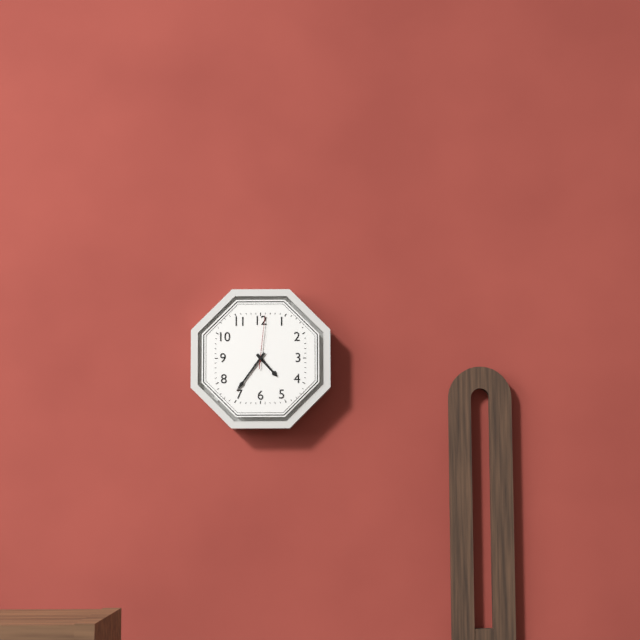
4.36.01
